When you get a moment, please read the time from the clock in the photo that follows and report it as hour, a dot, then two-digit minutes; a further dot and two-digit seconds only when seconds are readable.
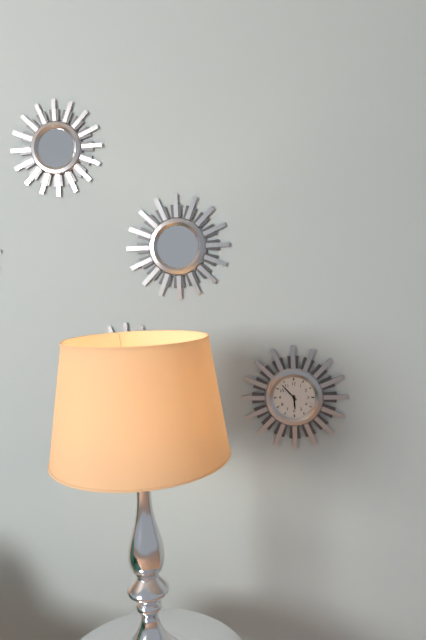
5.53
